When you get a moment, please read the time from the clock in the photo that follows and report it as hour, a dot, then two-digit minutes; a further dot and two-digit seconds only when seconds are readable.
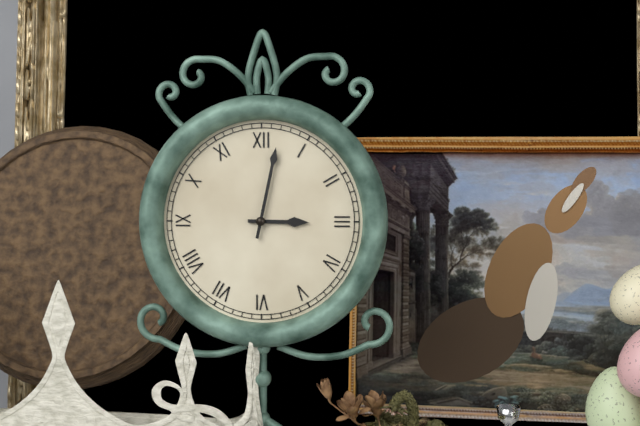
3.02
